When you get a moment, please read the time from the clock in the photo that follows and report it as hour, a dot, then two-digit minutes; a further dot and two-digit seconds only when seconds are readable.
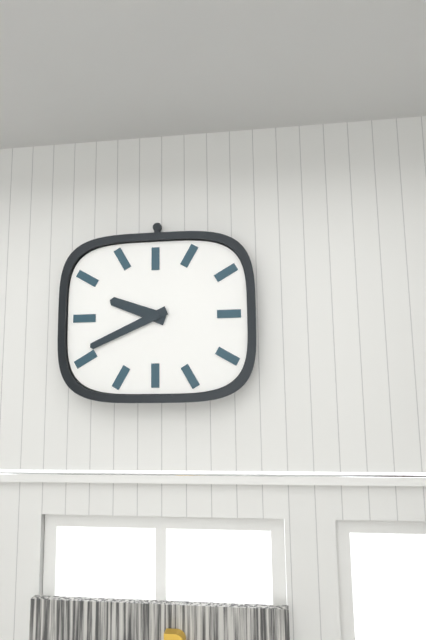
9.41
